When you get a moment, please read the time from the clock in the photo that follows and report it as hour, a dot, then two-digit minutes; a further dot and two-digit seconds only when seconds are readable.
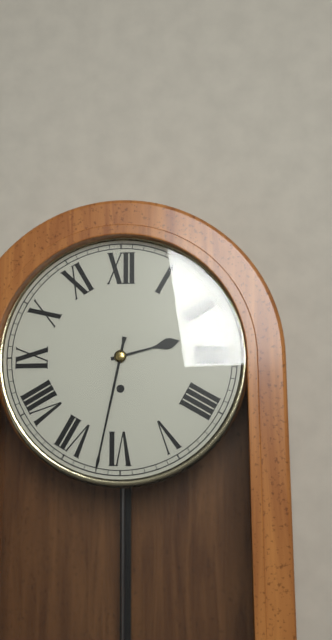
2.32
